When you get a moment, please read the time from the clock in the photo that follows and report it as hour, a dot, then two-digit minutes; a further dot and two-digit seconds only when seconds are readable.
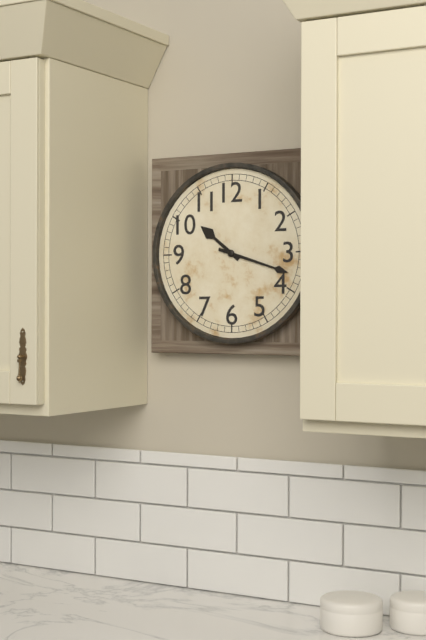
10.18
